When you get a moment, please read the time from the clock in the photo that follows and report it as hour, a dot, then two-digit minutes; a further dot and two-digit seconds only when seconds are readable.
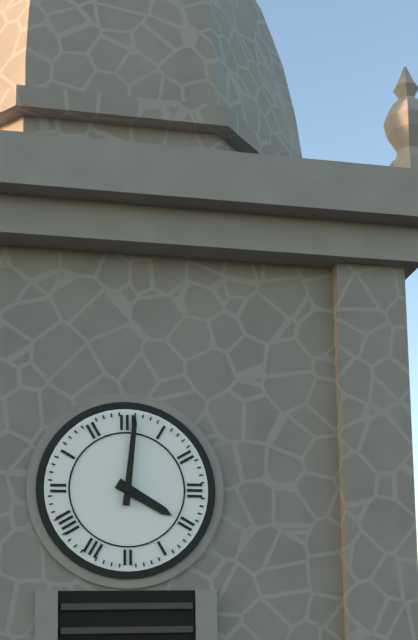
4.01
